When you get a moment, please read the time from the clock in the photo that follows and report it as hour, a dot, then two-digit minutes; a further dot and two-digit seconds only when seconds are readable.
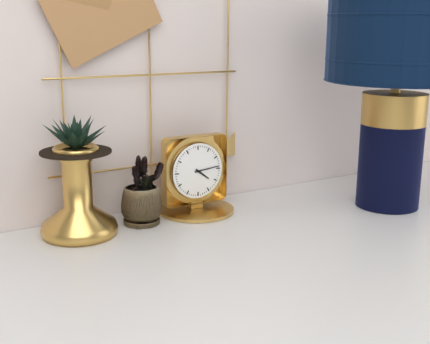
4.14
